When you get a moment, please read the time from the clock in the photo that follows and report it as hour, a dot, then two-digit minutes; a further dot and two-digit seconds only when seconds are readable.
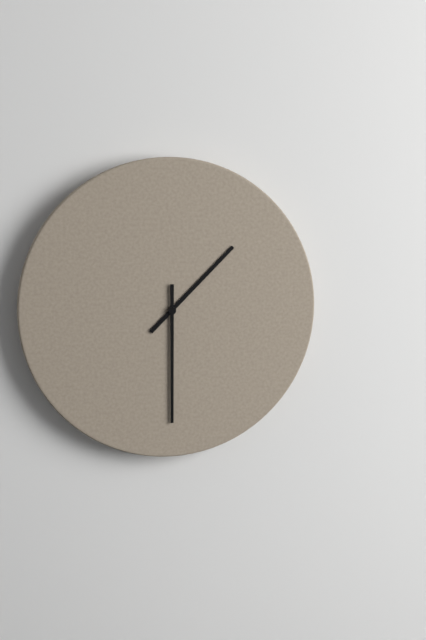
1.30
